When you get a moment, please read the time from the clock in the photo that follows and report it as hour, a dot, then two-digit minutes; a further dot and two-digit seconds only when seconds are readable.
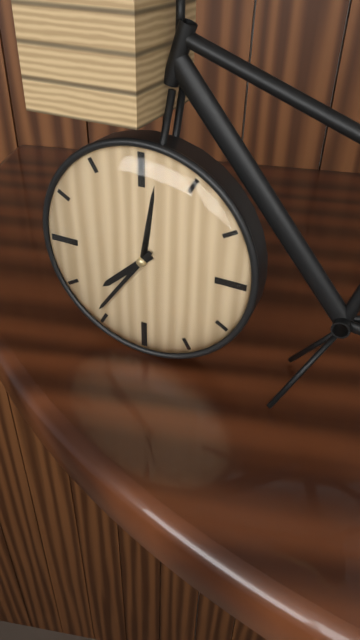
7.36
